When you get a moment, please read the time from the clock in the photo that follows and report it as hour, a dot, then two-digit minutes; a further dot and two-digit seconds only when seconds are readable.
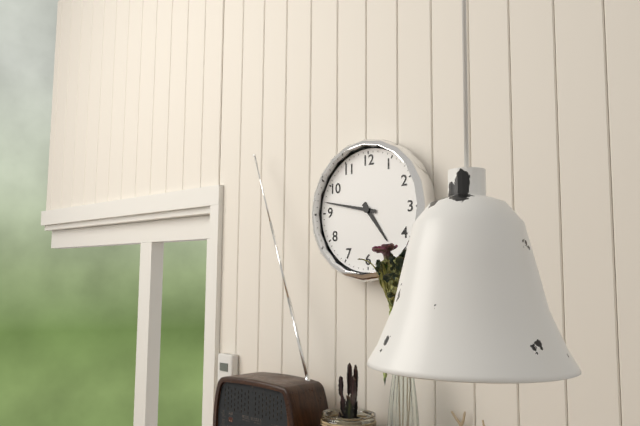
4.47
